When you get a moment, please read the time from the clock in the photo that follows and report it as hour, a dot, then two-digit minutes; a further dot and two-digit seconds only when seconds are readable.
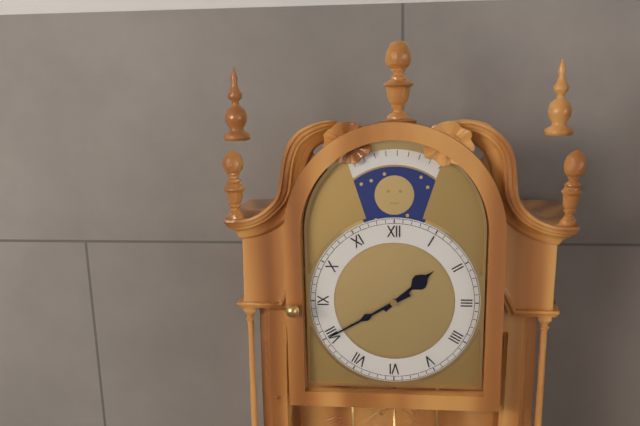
1.40
